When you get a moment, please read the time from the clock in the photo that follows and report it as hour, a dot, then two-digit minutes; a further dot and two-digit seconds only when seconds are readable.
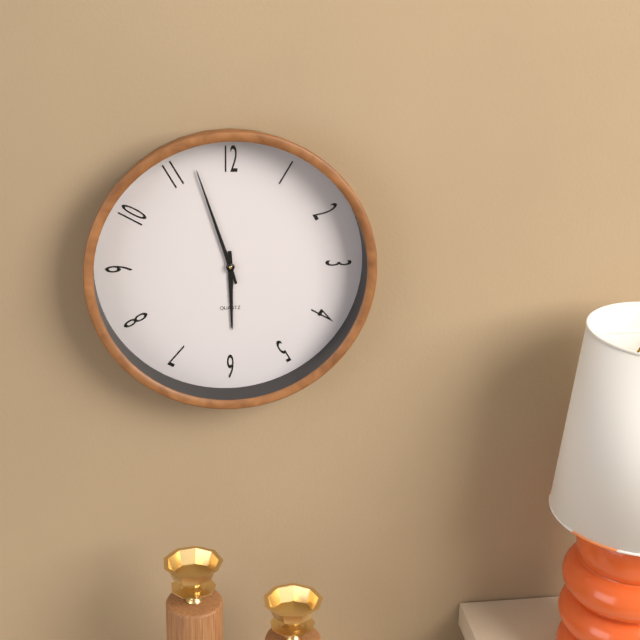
5.57
